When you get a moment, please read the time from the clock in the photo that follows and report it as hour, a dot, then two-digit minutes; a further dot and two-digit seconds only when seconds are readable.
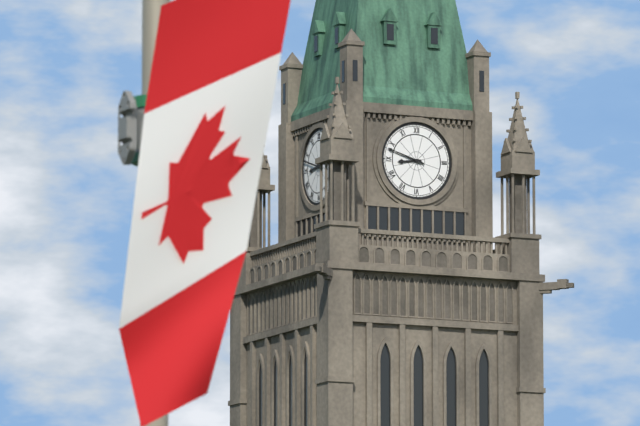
8.48
